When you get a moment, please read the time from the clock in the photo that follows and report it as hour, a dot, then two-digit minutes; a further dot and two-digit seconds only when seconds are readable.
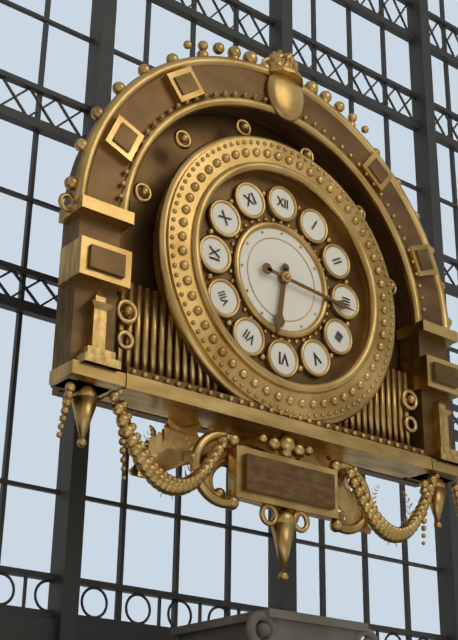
6.16
